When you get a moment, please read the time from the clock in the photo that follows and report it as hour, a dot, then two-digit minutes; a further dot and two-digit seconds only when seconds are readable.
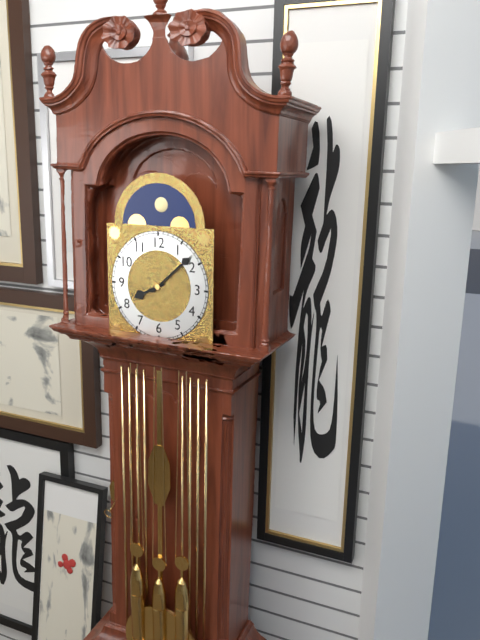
8.08
